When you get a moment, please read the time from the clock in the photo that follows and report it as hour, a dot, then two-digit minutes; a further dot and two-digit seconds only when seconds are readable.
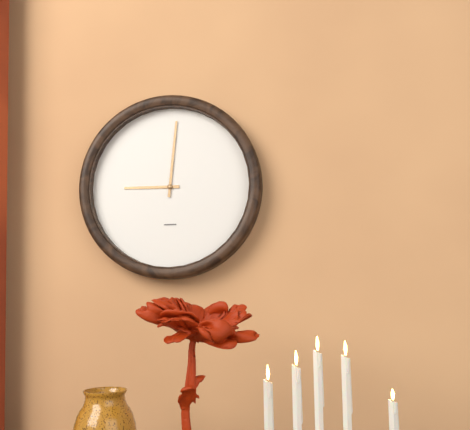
9.01
